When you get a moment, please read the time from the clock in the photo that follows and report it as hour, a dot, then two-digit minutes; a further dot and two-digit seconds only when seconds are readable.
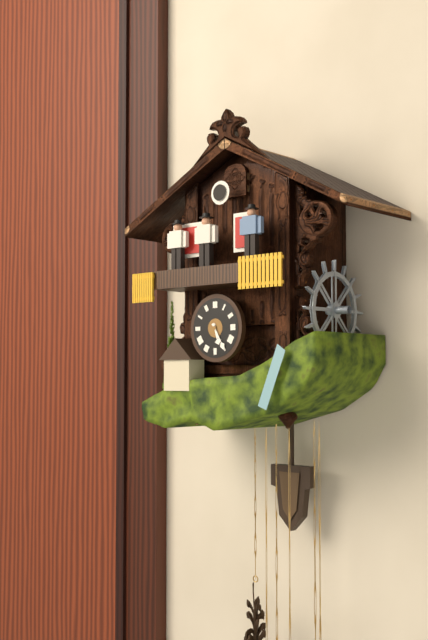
5.25
